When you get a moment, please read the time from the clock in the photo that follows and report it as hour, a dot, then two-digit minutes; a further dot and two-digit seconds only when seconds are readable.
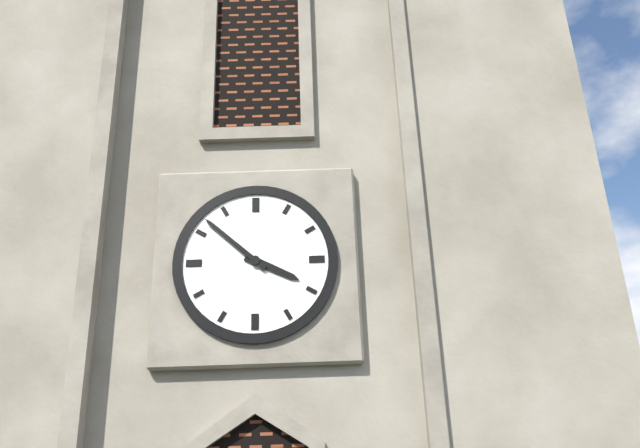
3.52
